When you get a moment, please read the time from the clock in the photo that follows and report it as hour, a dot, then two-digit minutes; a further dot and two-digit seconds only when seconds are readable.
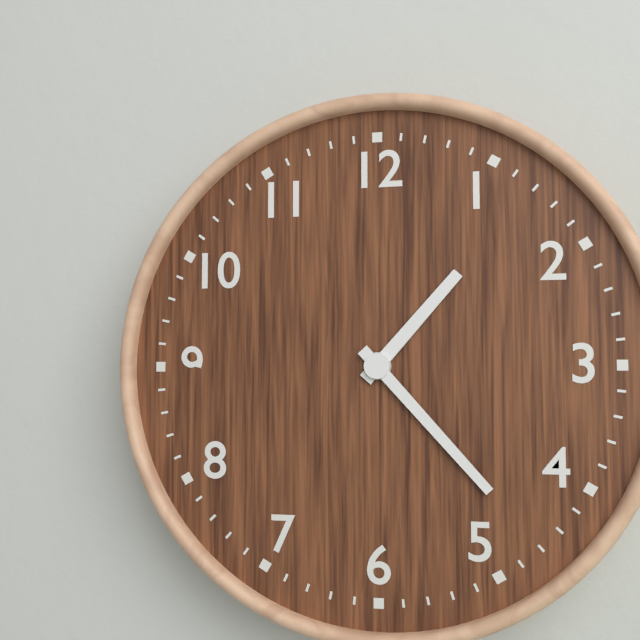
1.23
